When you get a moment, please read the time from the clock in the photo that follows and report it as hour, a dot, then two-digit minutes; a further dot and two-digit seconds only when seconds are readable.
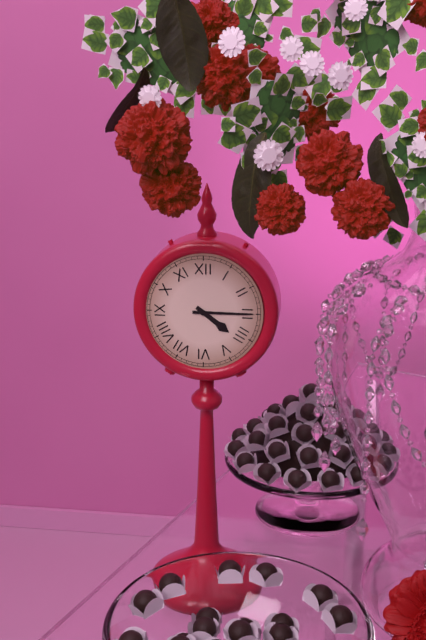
4.15
